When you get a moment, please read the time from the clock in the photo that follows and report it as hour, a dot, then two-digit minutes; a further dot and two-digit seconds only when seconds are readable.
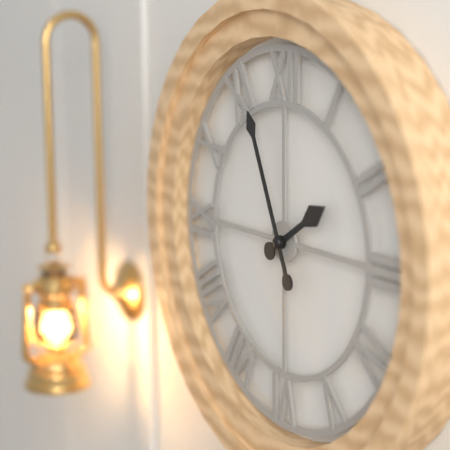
1.56
